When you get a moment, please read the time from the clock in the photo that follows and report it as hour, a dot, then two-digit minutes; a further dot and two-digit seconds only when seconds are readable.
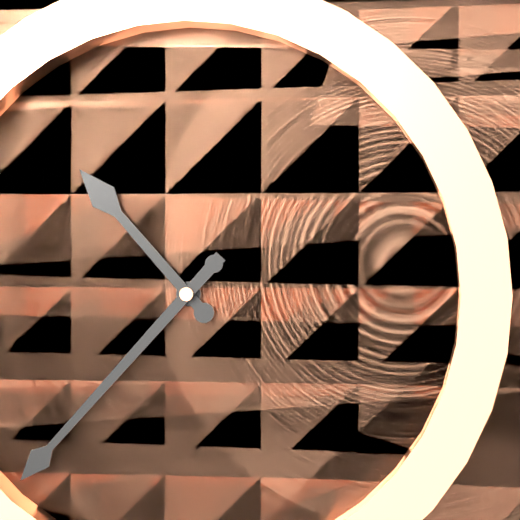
10.37
